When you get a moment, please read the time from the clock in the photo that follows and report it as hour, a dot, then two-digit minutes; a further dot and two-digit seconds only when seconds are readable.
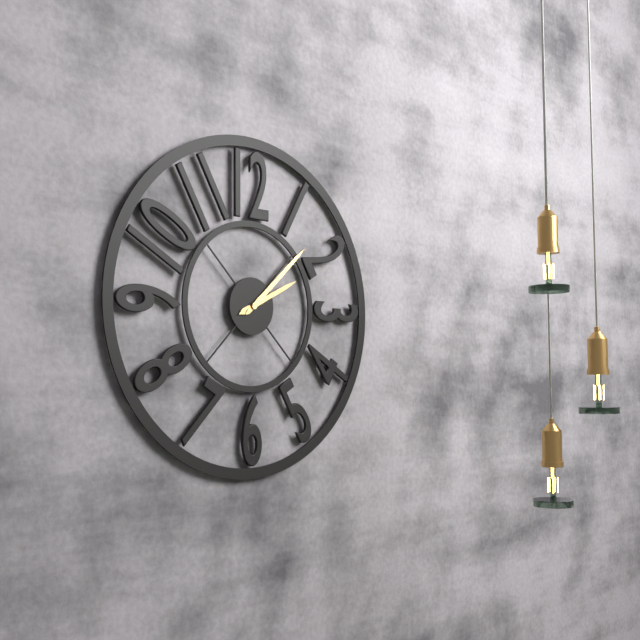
2.08
